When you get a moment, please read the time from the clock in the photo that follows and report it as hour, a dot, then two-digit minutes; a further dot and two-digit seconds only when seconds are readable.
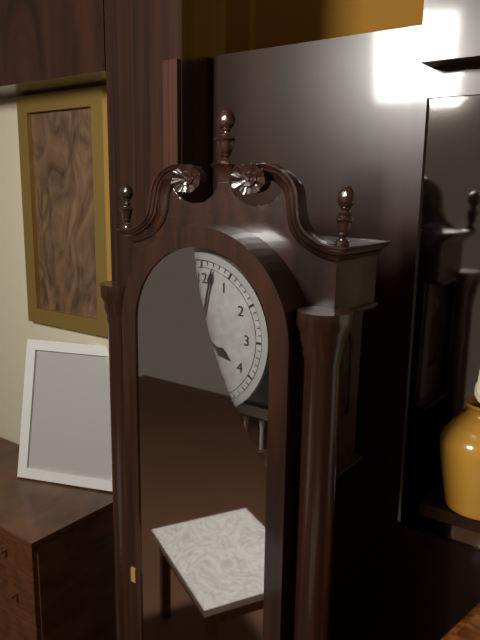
4.02
